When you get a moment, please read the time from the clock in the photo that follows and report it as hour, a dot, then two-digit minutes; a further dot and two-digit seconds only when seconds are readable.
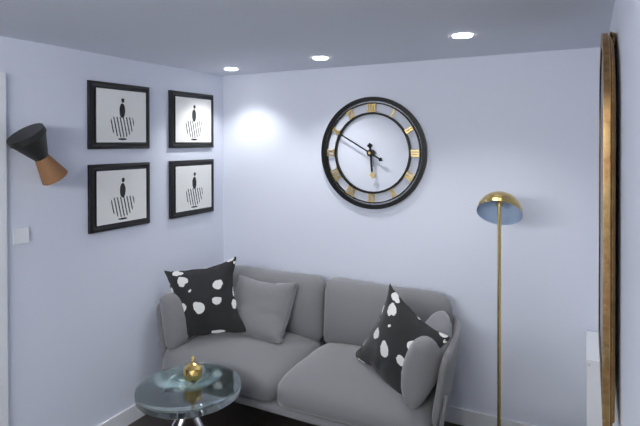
5.50
